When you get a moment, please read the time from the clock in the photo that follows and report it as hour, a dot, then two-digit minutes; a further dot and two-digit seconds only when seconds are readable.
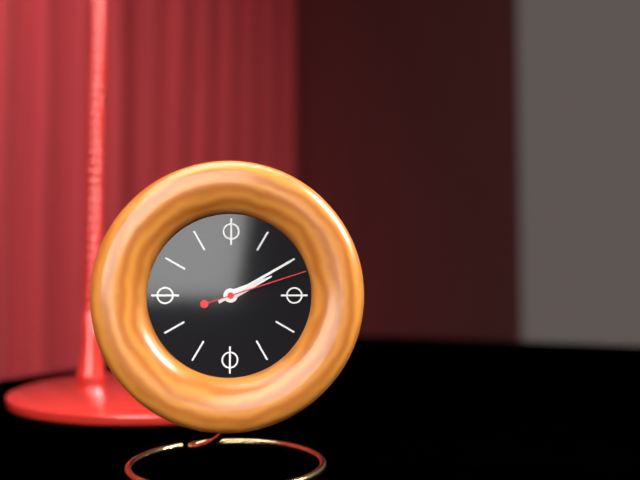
2.10.12
